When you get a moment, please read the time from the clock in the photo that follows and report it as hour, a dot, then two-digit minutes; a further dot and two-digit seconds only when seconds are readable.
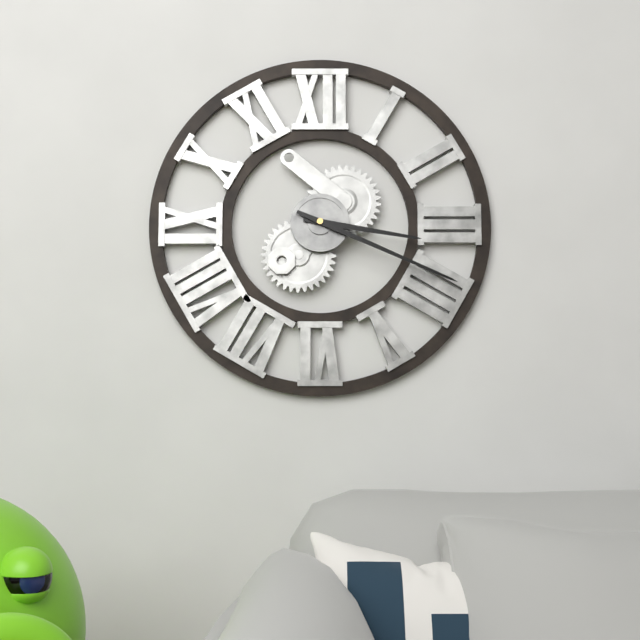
3.19
